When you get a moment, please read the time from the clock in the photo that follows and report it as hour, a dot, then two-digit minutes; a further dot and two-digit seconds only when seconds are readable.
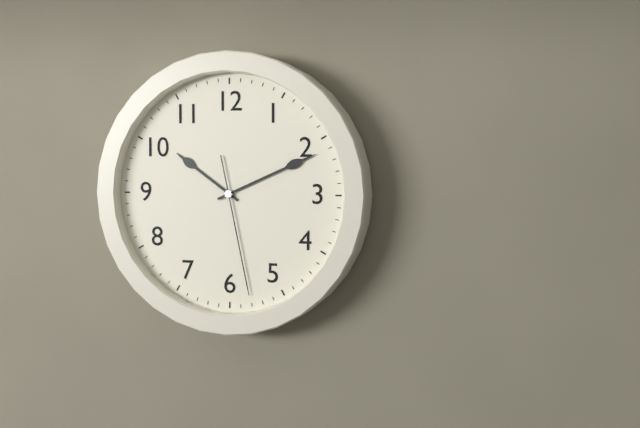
10.11.28
